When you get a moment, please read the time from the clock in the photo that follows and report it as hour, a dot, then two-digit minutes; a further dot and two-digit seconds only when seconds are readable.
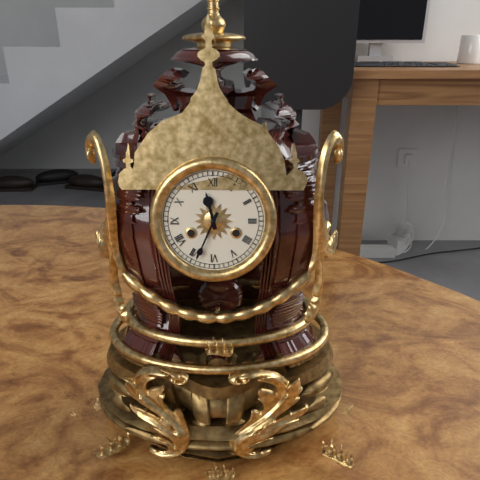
11.34
